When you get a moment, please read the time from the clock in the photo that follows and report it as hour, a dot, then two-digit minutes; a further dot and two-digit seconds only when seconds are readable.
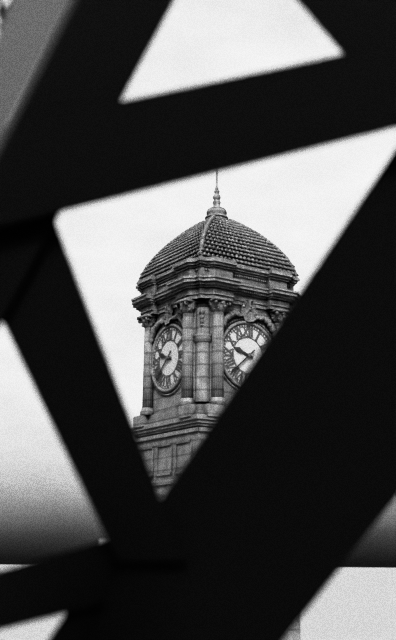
9.38
